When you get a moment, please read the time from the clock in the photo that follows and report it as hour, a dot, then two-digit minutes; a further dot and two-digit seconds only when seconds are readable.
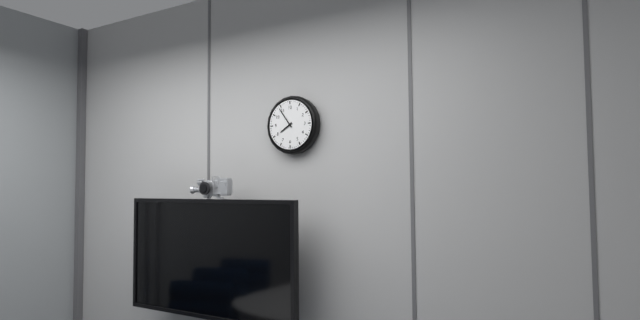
7.54
